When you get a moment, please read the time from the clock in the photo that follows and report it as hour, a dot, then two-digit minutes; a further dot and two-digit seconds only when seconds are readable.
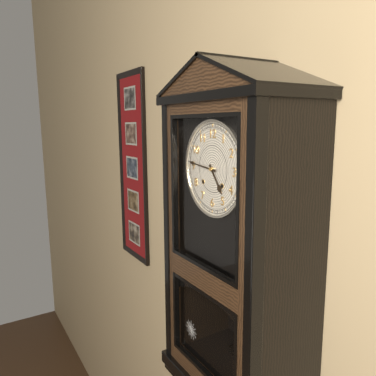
4.46
